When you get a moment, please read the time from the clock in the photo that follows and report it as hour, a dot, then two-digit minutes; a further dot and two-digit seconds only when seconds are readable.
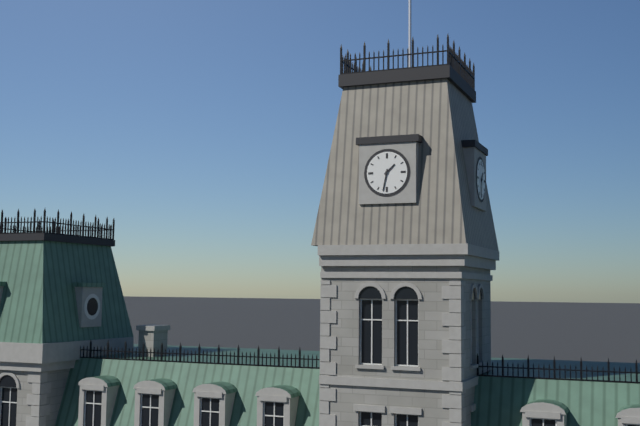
1.32
